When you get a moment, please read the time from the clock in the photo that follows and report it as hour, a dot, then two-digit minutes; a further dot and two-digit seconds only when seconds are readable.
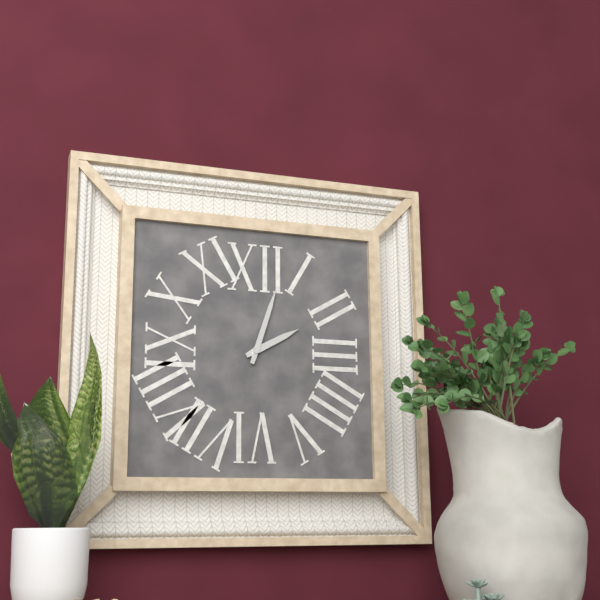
2.03
